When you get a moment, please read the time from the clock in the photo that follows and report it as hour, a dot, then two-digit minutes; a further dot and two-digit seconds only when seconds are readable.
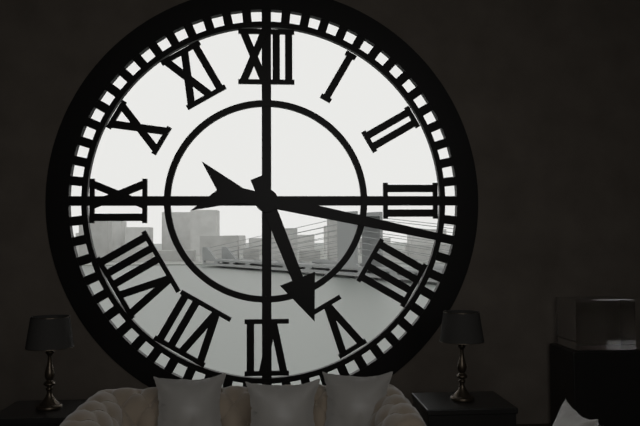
5.17
